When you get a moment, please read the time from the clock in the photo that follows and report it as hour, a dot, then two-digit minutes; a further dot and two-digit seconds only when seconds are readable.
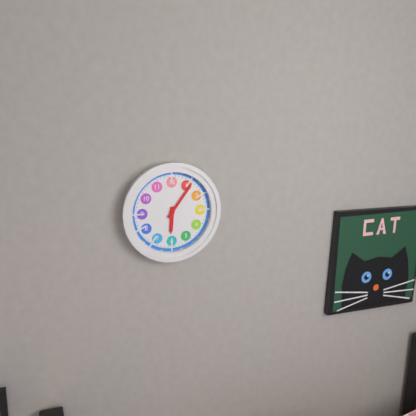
6.06
